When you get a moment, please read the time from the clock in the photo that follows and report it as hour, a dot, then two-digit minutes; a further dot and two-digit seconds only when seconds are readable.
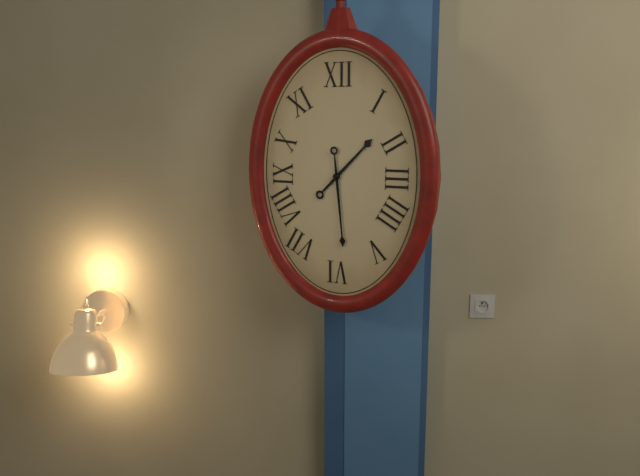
1.29
